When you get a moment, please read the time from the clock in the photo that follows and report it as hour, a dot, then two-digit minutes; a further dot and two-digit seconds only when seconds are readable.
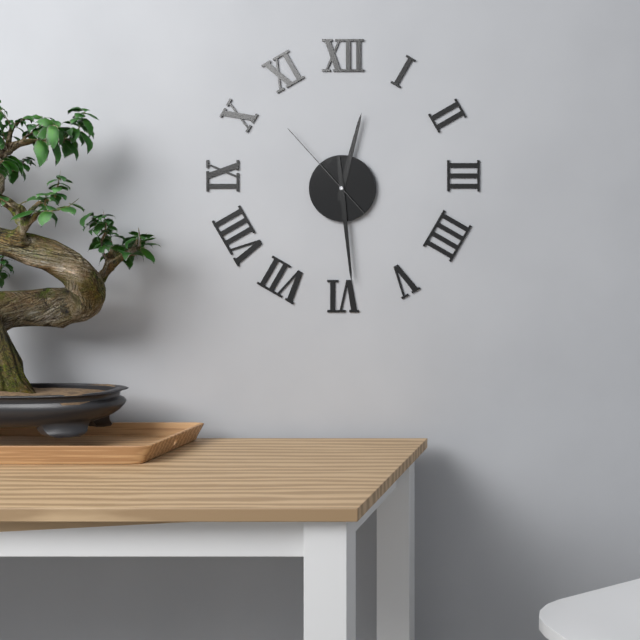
12.29.53
